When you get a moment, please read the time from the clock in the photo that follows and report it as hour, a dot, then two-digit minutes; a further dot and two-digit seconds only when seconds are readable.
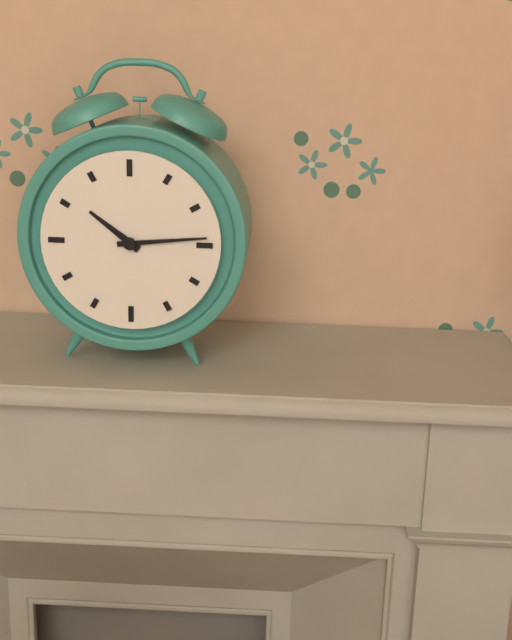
10.14
